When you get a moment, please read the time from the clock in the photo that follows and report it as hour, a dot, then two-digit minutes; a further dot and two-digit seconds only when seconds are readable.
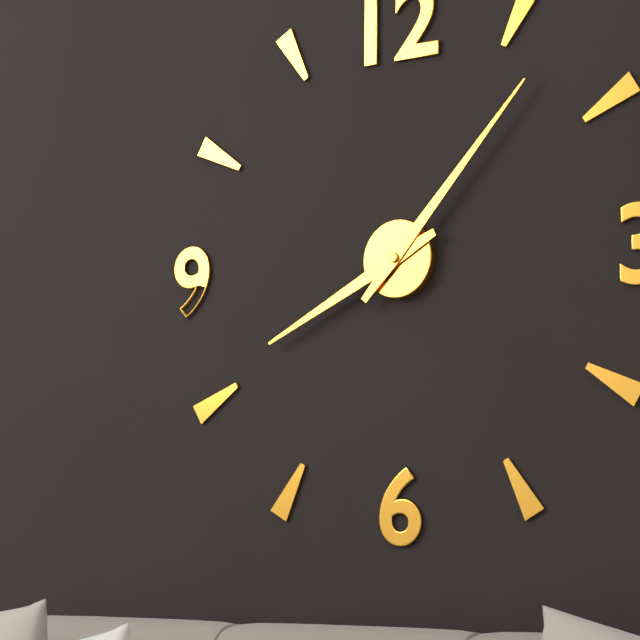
8.07
